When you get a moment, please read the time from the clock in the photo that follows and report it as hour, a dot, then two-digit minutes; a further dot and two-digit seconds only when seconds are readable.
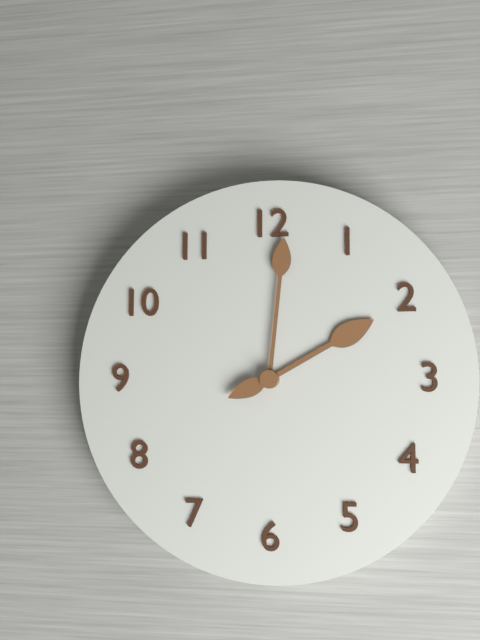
2.01.41
